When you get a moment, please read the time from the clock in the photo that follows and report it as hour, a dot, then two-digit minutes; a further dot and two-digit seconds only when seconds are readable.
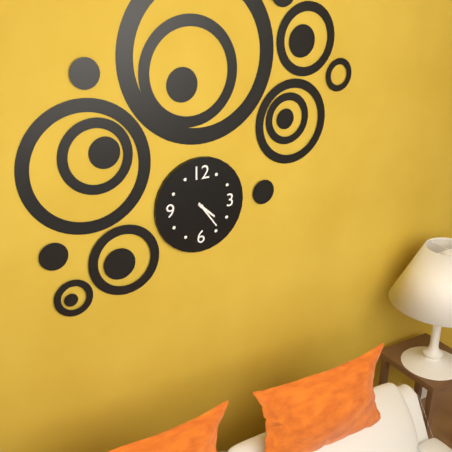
4.24
